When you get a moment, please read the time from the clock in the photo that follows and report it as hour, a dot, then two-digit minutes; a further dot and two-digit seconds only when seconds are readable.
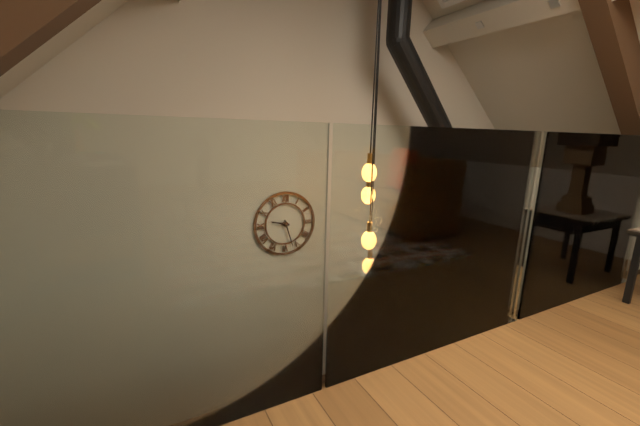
9.27
